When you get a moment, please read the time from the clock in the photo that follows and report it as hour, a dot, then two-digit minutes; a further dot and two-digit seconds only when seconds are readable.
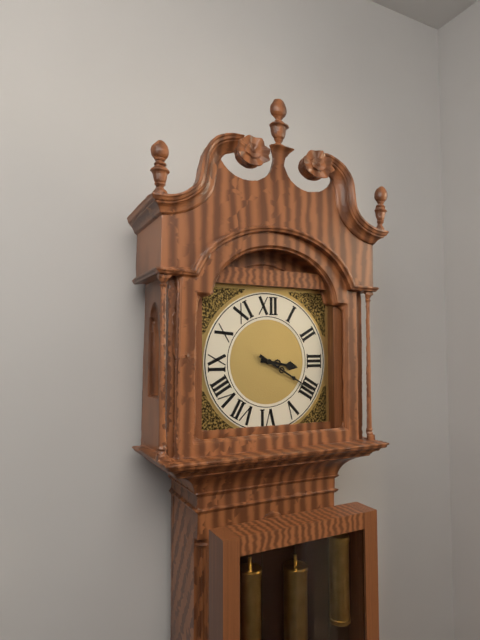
3.20
